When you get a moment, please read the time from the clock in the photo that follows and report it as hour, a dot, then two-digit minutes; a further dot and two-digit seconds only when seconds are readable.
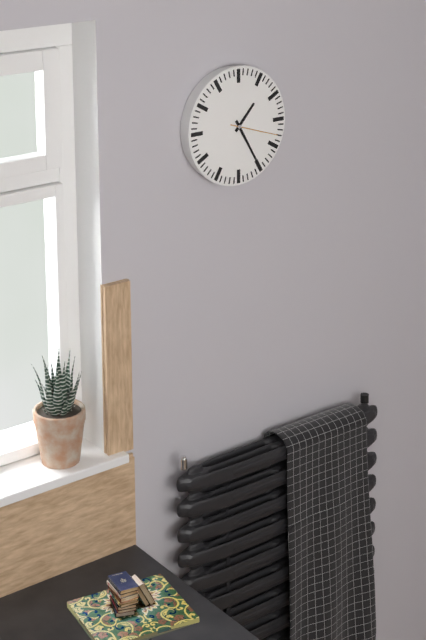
1.25.18
